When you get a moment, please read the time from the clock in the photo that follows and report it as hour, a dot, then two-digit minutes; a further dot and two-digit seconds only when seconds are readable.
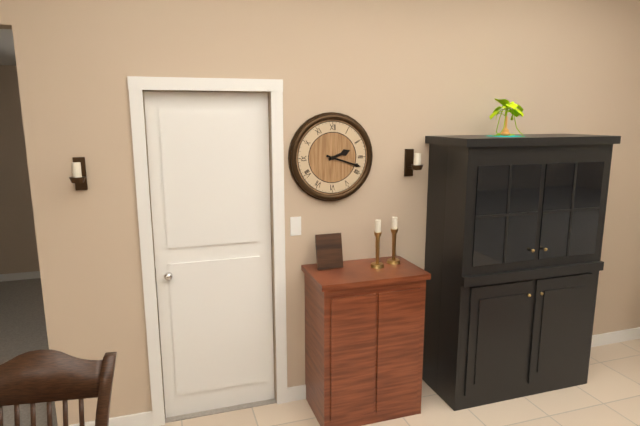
2.18
